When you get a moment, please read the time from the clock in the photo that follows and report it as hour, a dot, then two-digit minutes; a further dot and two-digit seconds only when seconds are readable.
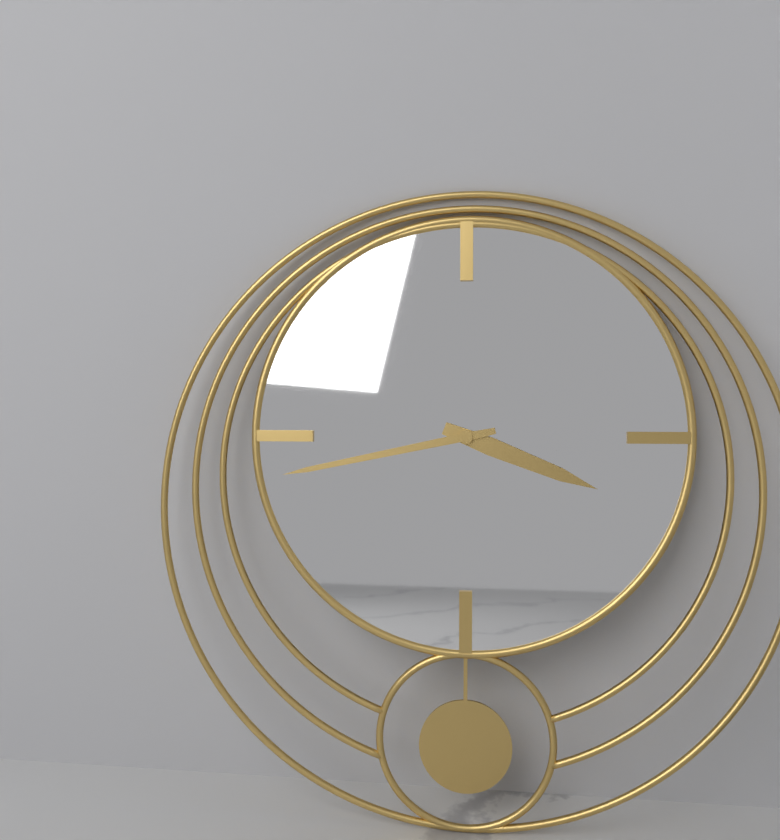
3.43
